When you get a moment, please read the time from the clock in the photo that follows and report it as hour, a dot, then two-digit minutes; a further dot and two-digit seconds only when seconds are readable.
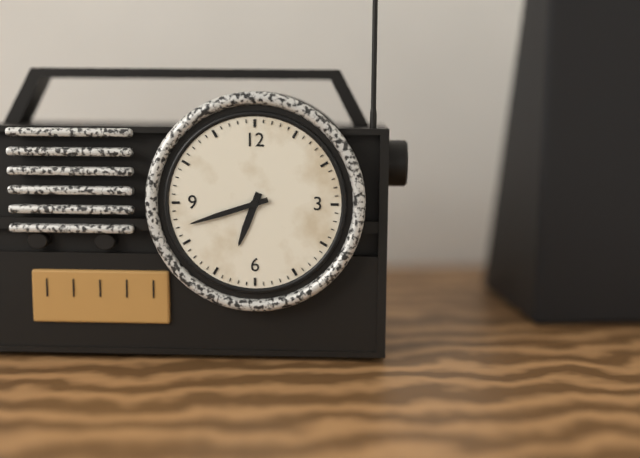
6.42
